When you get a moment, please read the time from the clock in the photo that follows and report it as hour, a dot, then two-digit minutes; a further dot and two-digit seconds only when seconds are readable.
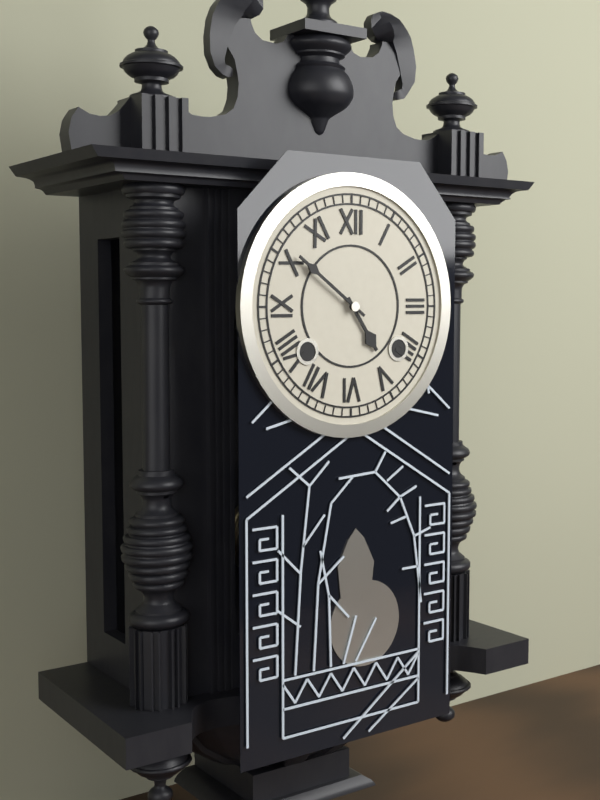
4.51
